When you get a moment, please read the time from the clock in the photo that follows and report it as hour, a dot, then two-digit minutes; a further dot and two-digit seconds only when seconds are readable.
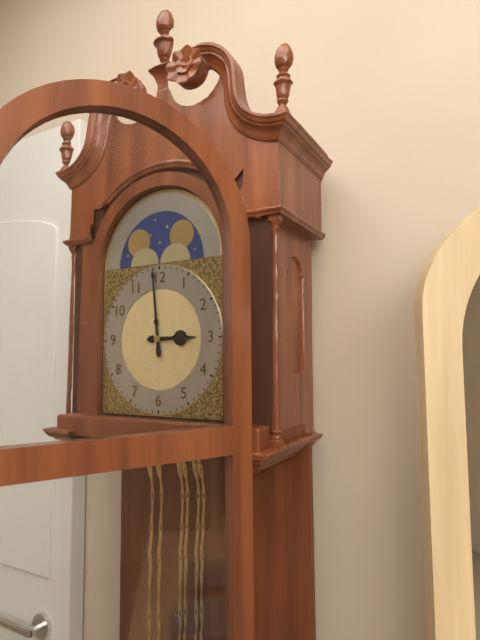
2.59
